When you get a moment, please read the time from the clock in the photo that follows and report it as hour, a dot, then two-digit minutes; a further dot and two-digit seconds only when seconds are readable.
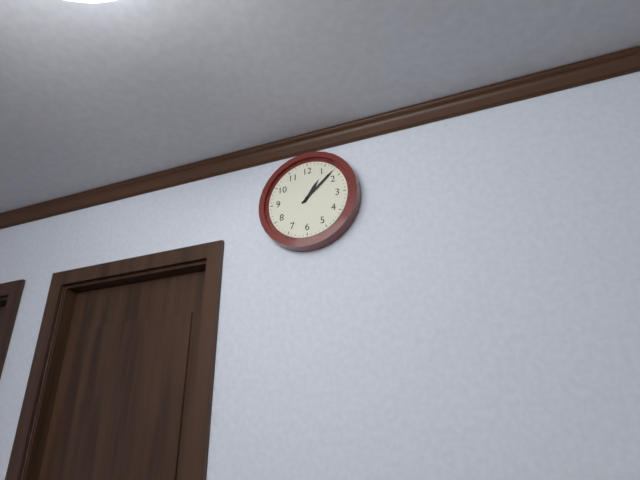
1.08
